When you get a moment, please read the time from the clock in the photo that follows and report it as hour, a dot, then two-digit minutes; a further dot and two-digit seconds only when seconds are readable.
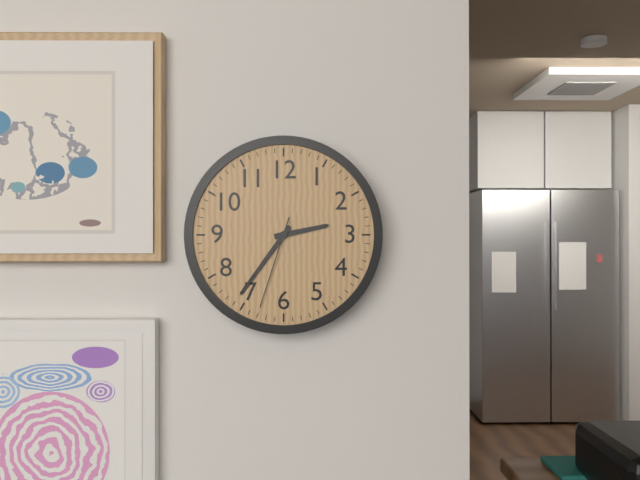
2.36.33
